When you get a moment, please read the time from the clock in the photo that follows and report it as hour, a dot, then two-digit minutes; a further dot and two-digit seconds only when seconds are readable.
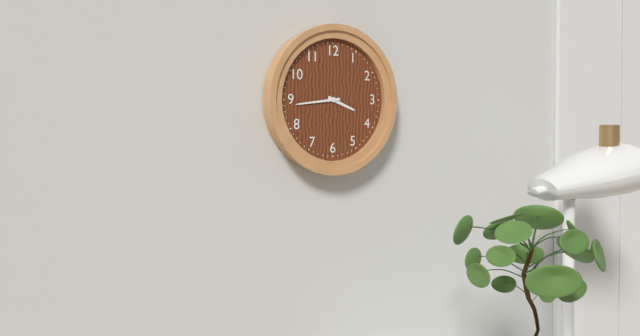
3.44
